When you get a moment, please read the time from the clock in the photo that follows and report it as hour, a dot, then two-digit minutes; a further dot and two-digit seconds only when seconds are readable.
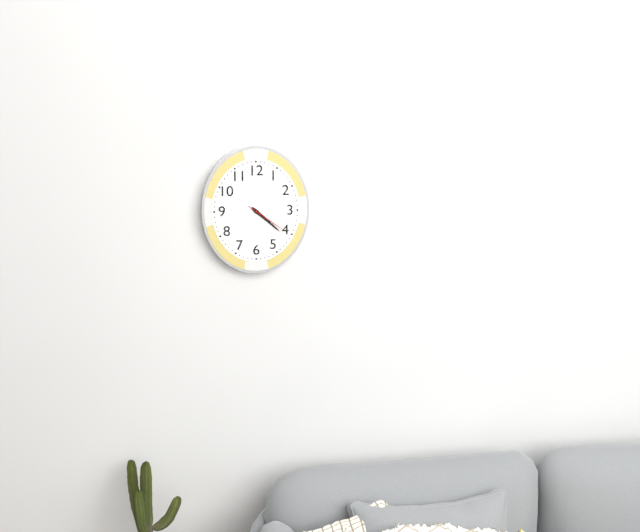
4.22
